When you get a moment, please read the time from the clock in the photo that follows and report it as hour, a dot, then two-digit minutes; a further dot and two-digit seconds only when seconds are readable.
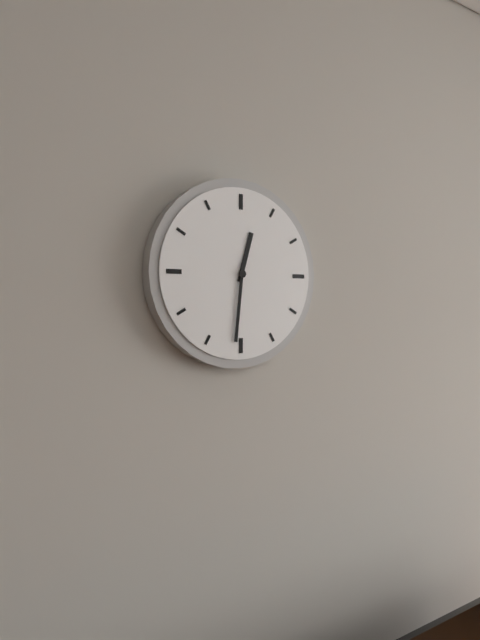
12.31
